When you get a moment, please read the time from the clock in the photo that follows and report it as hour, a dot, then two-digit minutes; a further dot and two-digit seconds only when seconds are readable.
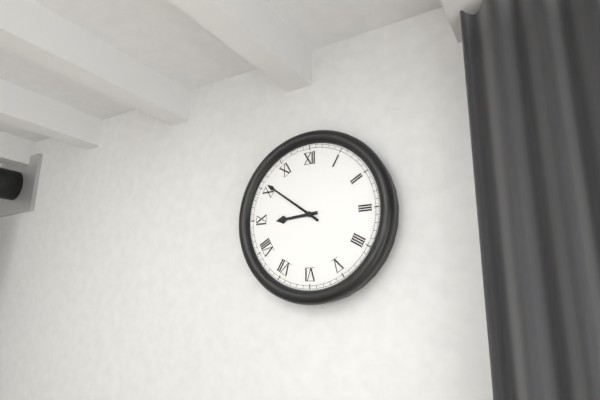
8.51
